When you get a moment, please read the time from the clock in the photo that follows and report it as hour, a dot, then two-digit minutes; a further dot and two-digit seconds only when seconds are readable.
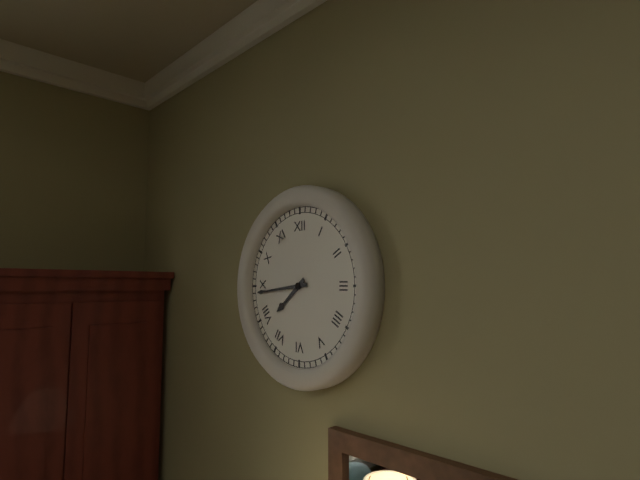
7.44
